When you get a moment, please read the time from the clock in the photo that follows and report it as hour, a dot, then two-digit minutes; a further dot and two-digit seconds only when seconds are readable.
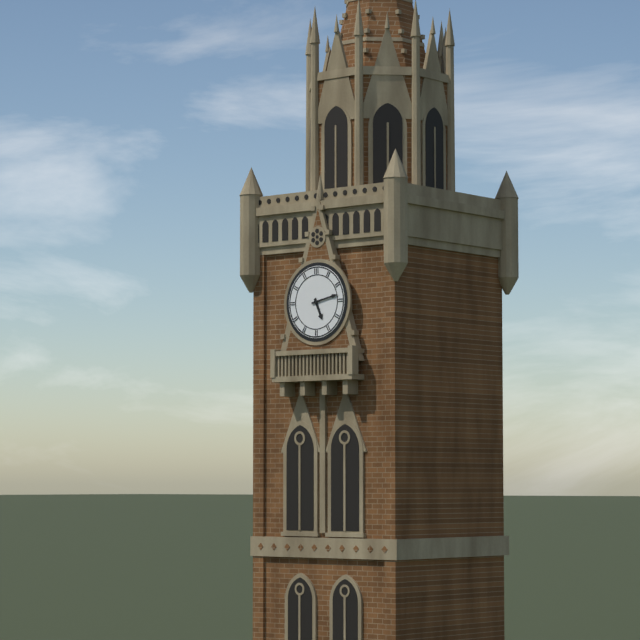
5.13
